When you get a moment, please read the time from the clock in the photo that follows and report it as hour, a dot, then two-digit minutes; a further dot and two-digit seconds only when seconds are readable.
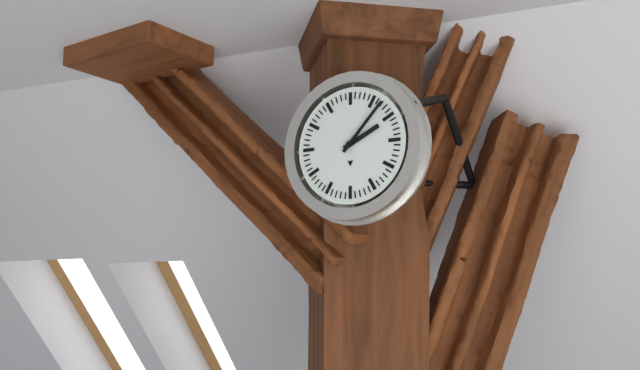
2.07
